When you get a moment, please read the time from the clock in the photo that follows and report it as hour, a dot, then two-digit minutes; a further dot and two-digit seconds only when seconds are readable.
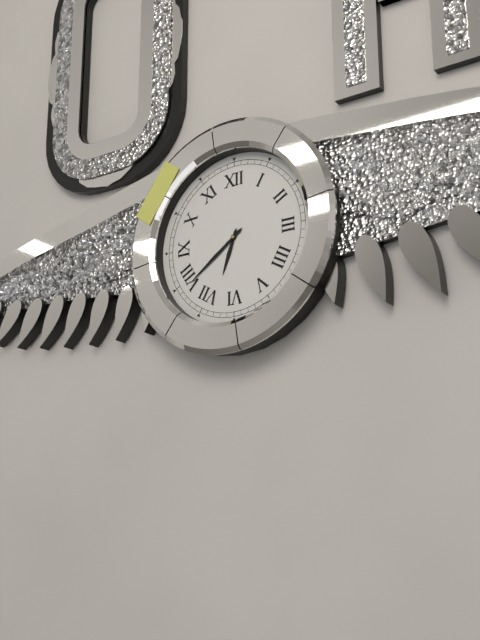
6.39
